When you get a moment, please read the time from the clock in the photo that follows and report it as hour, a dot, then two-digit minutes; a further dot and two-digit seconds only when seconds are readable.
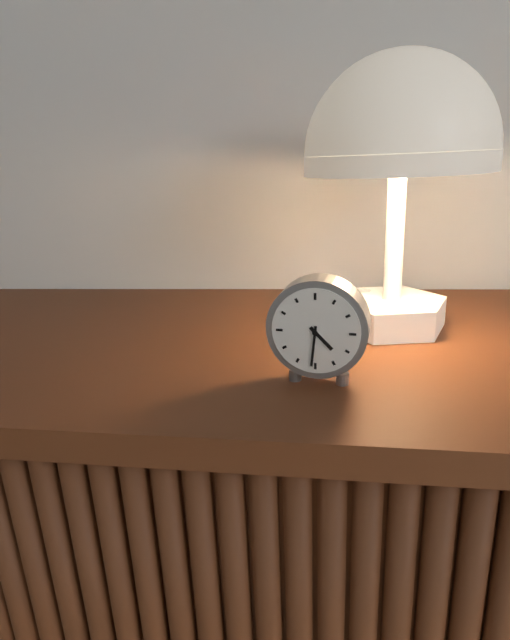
4.31
